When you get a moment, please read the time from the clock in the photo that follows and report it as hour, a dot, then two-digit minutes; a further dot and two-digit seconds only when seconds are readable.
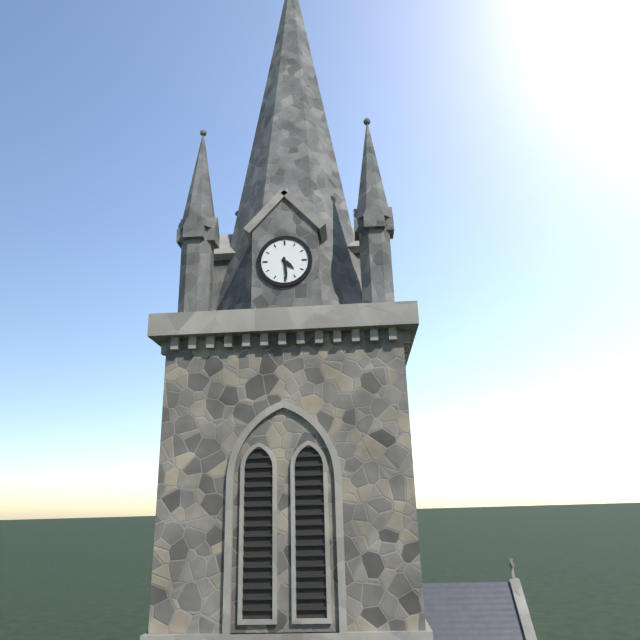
4.29
